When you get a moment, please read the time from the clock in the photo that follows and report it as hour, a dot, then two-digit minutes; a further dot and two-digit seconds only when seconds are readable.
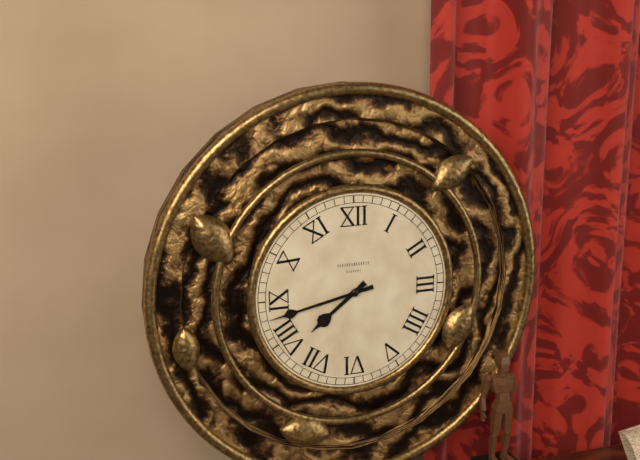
7.43
